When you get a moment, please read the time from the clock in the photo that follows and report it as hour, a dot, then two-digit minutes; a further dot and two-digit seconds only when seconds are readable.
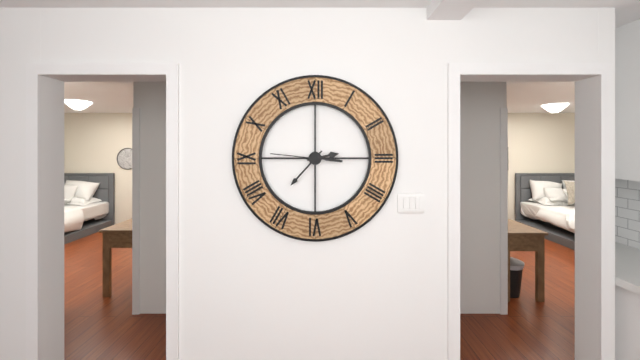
2.37.46
